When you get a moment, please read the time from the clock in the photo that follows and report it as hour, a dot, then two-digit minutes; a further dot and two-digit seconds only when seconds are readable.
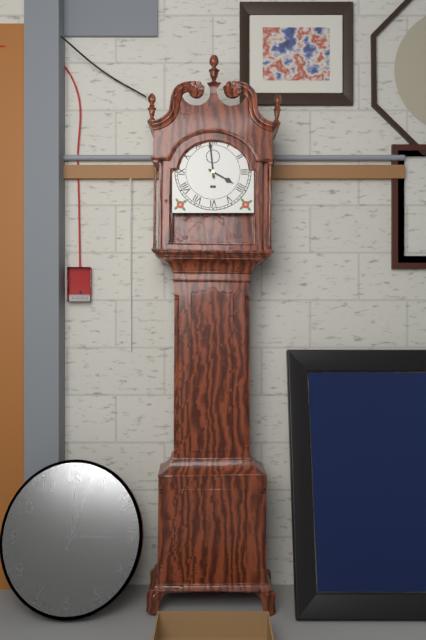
3.59
